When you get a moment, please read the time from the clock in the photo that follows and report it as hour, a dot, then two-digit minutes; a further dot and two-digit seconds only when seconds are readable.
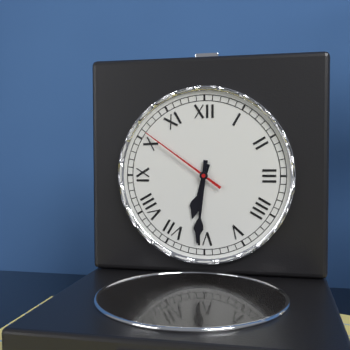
6.31.51
